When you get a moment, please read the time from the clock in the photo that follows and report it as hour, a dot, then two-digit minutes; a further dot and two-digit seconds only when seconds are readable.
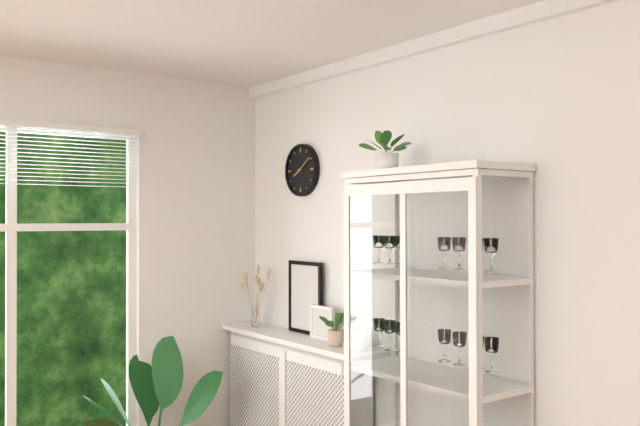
8.09
